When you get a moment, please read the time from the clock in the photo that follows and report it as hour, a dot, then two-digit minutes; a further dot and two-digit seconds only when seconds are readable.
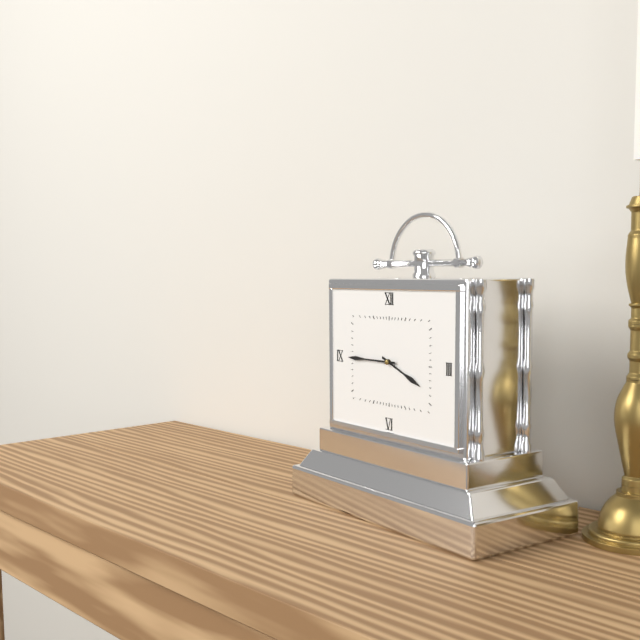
3.45
